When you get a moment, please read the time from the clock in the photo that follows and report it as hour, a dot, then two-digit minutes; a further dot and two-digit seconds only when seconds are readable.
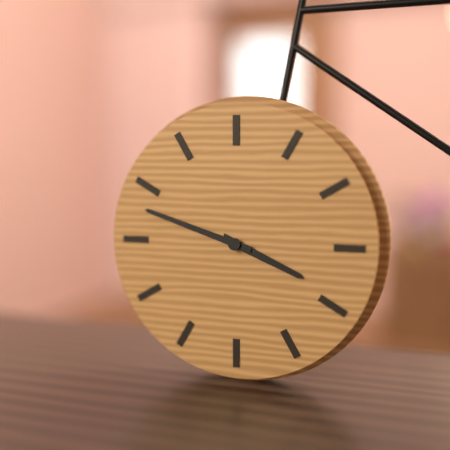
3.48
